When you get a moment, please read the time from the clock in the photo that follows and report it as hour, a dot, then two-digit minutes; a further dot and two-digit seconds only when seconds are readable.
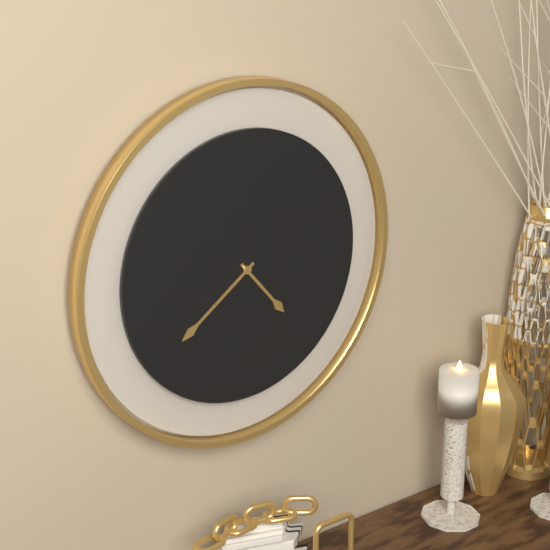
4.39
